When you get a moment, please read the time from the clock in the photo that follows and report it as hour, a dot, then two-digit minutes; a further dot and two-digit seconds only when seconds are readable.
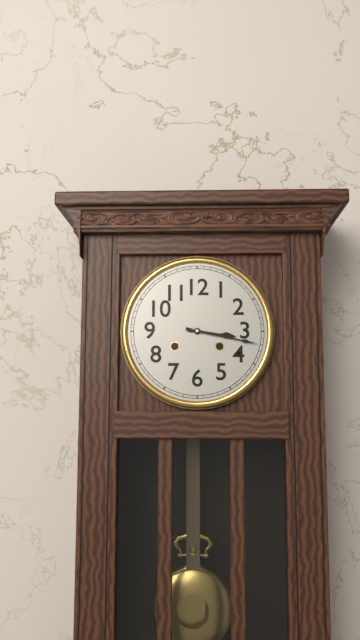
3.17
